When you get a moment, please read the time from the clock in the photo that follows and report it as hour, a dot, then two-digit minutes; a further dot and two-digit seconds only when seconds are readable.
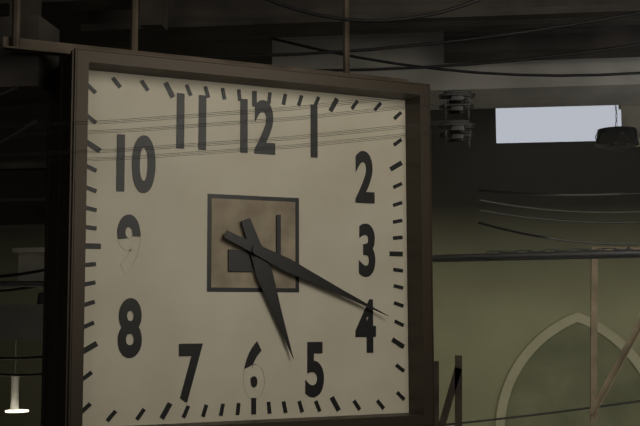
5.19
